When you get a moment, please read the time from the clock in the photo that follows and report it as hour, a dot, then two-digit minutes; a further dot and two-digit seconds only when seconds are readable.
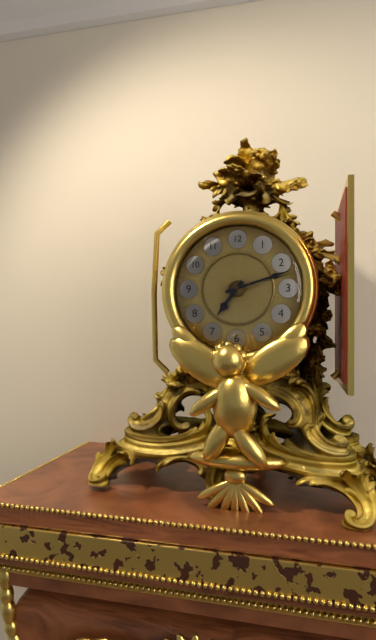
7.12
